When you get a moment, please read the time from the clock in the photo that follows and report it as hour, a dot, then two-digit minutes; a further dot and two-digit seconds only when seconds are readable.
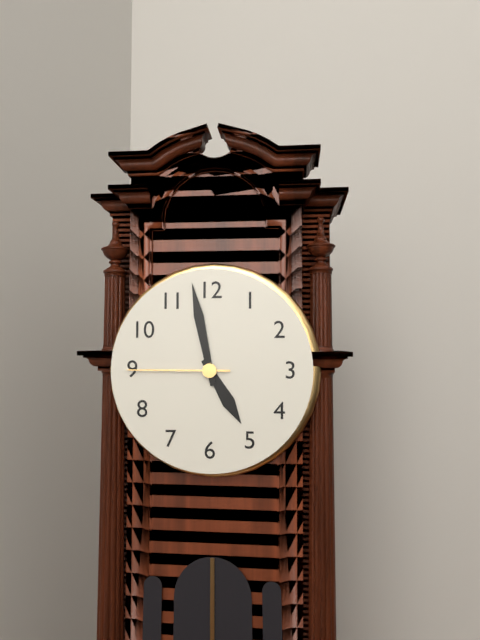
4.58.45
